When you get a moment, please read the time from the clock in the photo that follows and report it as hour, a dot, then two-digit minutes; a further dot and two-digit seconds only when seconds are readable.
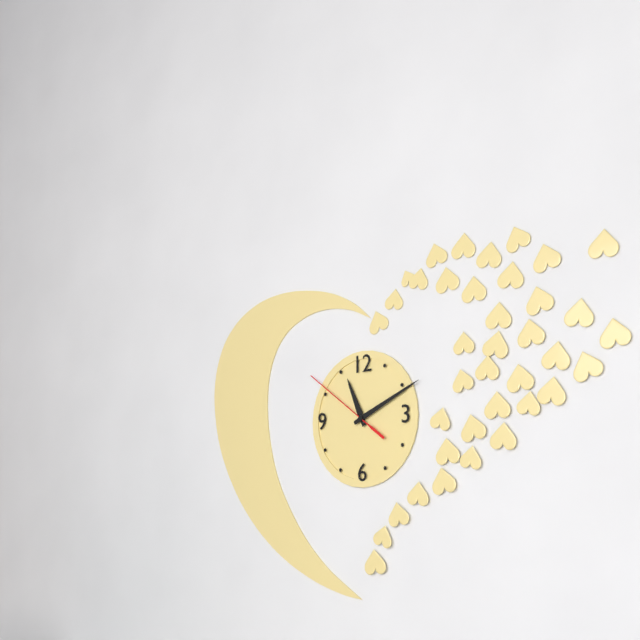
11.11.51
